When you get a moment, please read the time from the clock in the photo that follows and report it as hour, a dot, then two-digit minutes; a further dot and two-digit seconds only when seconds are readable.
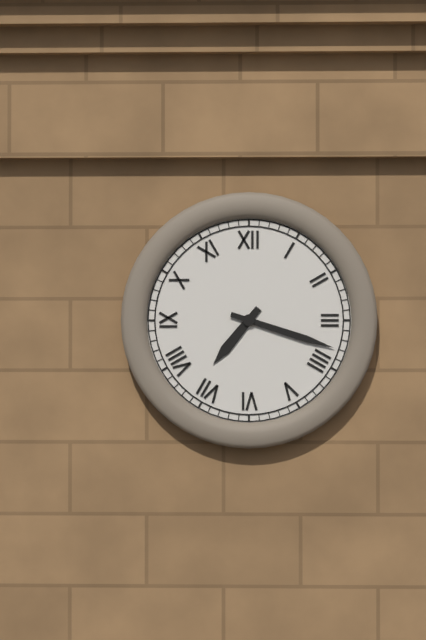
7.18
